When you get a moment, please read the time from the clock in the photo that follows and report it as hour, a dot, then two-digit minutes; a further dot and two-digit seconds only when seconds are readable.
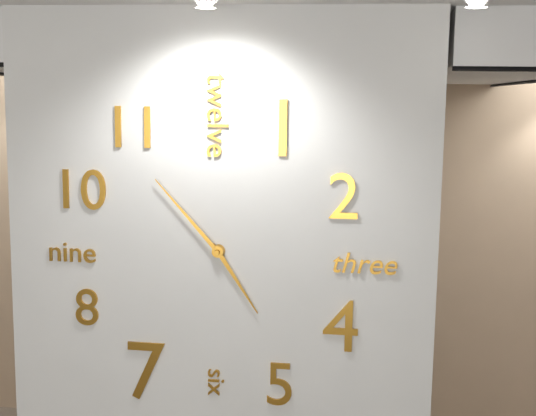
4.53
